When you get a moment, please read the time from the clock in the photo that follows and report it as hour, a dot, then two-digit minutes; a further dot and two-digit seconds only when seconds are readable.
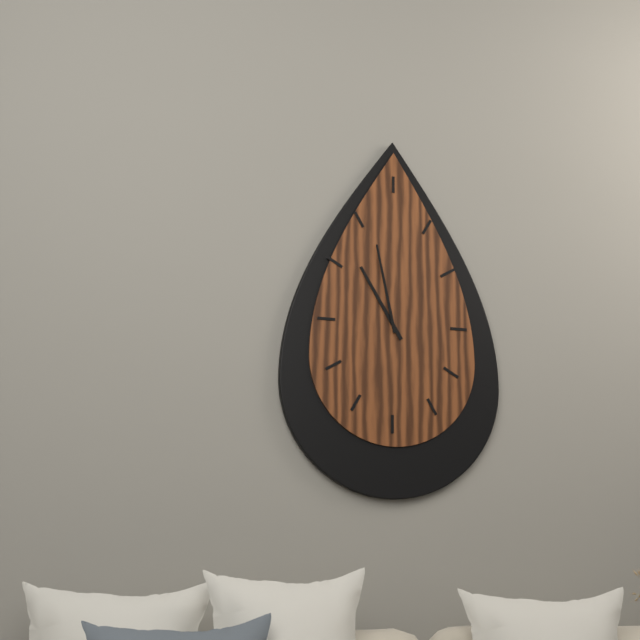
10.58
